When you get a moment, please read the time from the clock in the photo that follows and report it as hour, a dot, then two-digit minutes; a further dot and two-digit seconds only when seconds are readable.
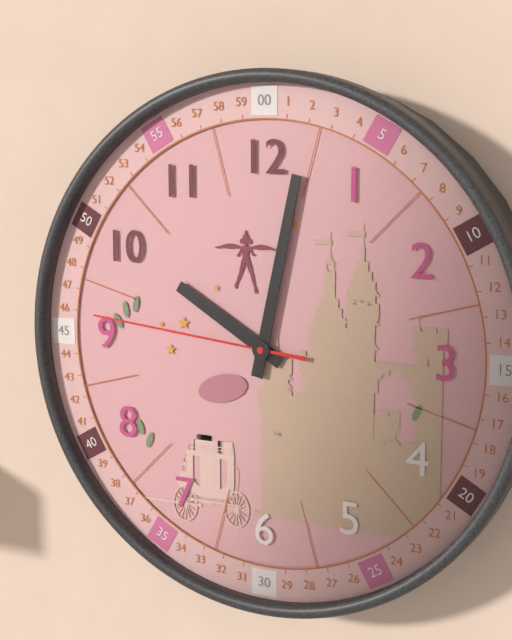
10.02.46
